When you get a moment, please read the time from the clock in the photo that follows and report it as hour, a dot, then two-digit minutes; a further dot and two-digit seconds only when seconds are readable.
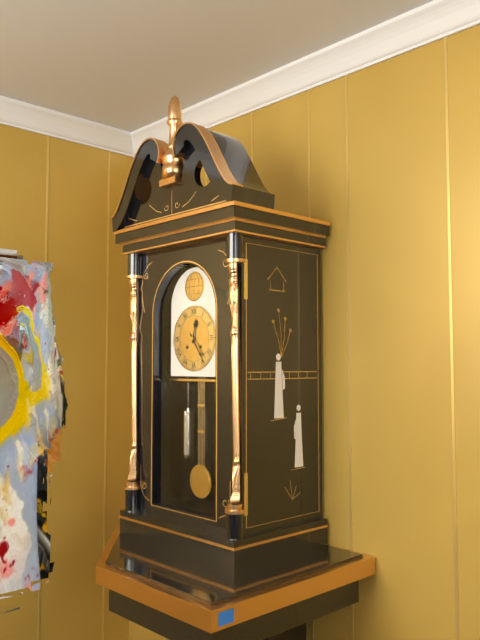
12.24
